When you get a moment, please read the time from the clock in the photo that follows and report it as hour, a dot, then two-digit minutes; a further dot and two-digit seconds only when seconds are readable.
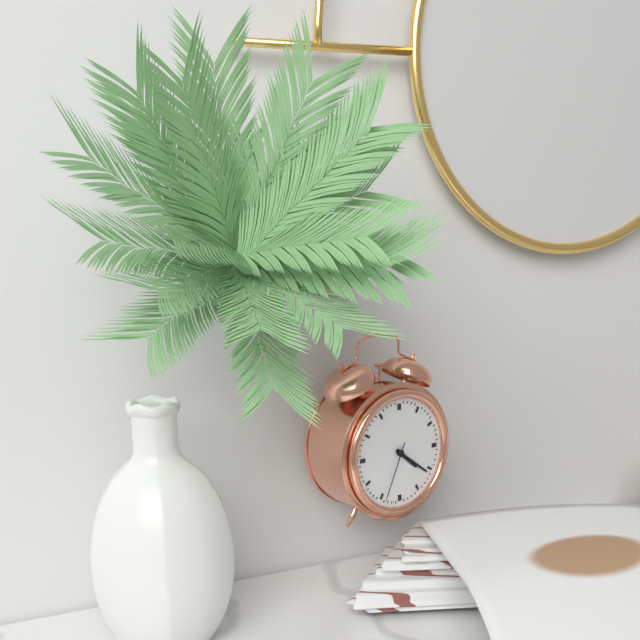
4.21.34
